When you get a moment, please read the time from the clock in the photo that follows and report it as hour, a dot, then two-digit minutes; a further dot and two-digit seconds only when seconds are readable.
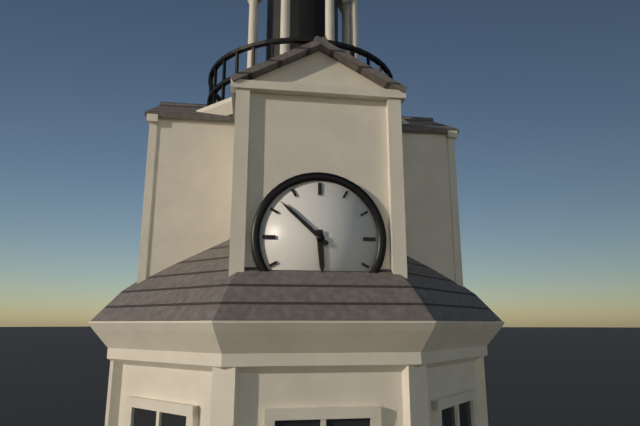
5.52
